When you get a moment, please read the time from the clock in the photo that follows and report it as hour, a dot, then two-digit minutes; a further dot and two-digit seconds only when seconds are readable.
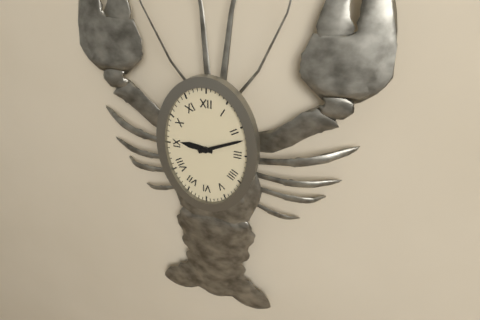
9.11
